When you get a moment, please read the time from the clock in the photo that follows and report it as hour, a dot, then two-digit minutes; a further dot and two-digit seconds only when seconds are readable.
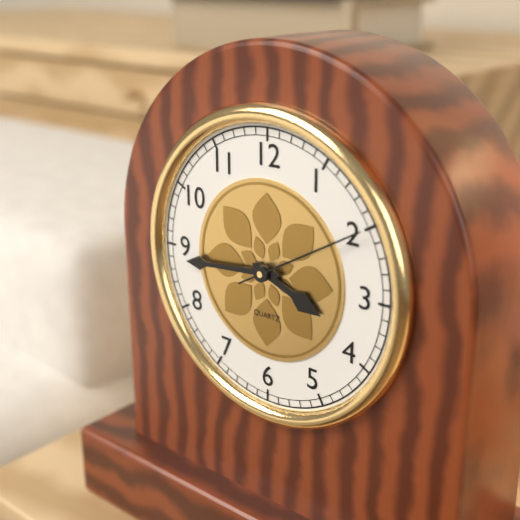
3.44.10
